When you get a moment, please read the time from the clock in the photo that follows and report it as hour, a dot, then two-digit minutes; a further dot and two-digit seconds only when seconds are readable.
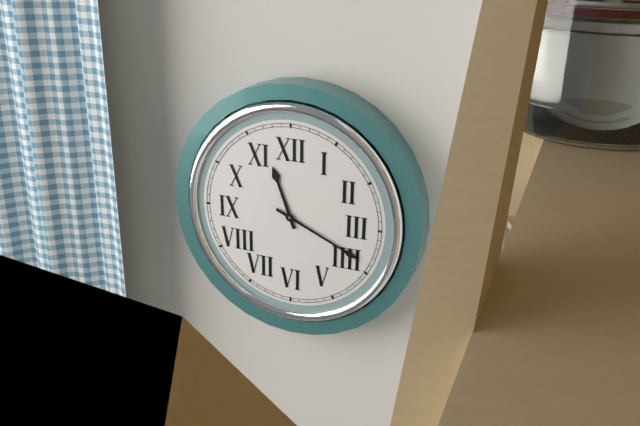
11.19
